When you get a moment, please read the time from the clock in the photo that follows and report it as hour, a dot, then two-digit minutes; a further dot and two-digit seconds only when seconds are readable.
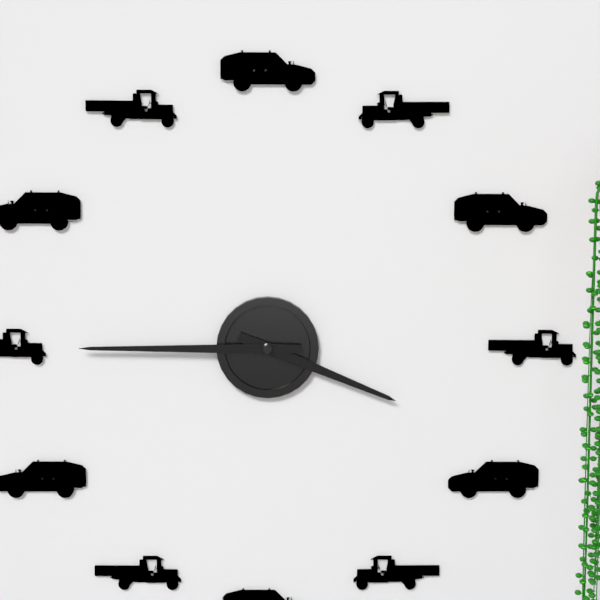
3.45
